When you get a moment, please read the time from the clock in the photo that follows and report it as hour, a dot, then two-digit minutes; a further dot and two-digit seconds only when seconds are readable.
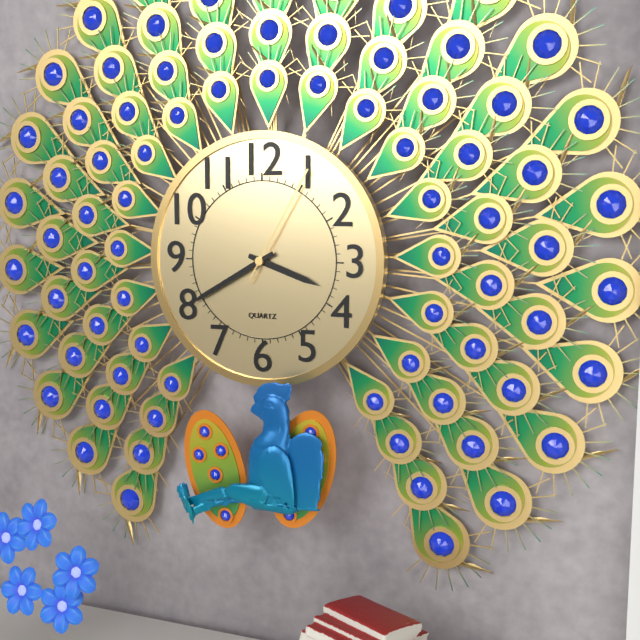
3.40.05
